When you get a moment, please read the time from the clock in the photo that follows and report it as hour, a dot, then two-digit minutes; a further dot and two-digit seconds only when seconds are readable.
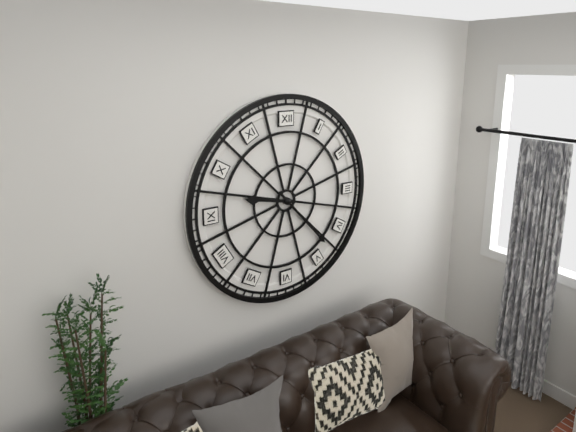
9.23
